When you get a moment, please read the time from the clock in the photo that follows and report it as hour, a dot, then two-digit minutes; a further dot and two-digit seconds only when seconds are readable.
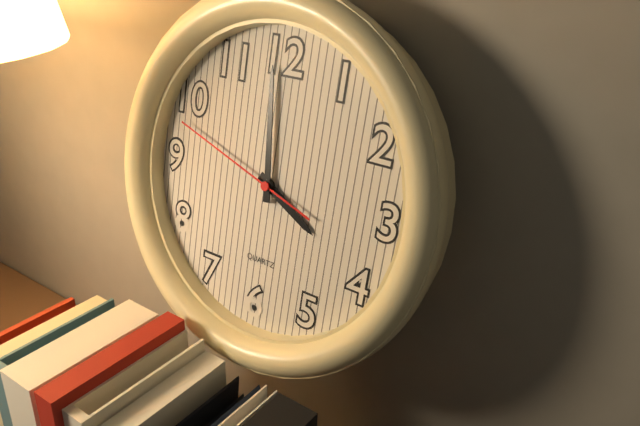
3.59.48
